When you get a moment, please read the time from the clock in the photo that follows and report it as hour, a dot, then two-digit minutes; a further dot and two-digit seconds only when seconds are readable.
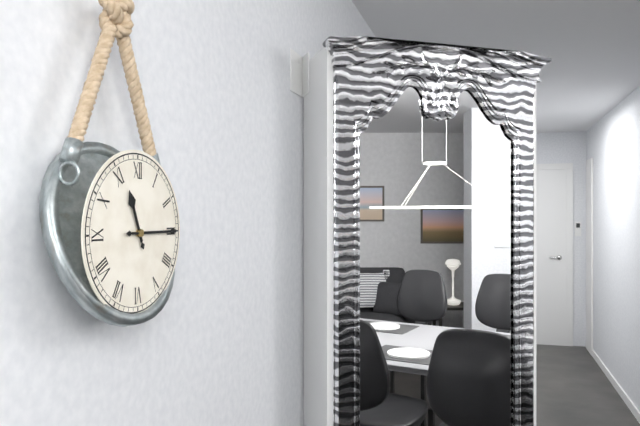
11.15
